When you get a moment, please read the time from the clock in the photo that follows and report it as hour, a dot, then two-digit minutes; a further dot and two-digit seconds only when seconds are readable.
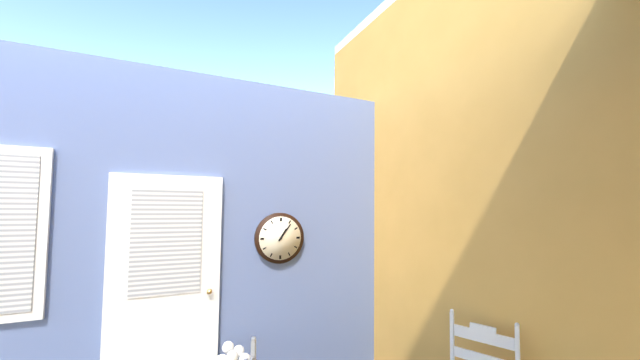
1.06
